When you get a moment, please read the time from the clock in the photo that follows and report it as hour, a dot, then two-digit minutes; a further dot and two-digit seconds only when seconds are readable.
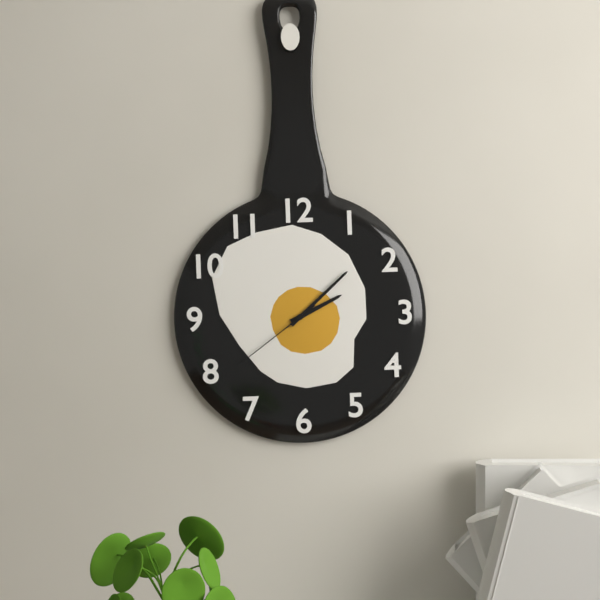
2.08.39
